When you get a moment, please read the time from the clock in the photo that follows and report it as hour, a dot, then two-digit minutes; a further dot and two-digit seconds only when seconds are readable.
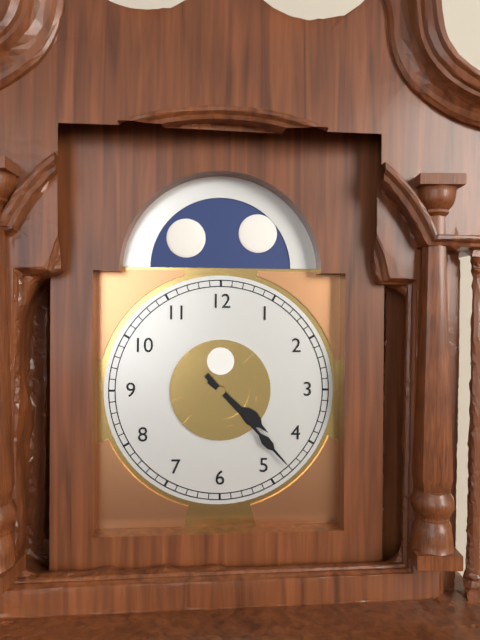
4.23
